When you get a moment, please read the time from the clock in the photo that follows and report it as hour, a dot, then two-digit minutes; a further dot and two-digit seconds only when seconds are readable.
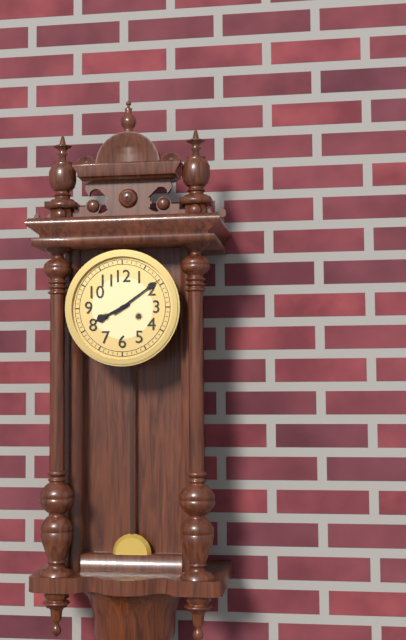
8.09
